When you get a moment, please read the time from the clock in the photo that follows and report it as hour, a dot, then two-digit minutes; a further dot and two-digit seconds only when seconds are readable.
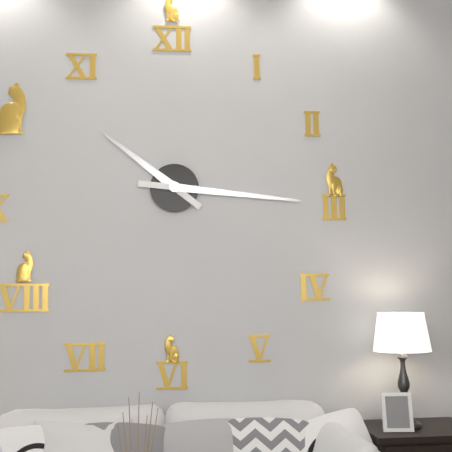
10.16
